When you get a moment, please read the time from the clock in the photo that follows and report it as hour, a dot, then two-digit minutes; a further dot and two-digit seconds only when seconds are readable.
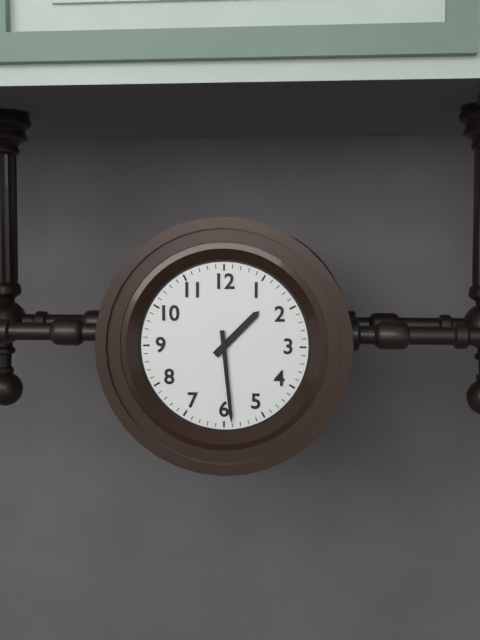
1.29
